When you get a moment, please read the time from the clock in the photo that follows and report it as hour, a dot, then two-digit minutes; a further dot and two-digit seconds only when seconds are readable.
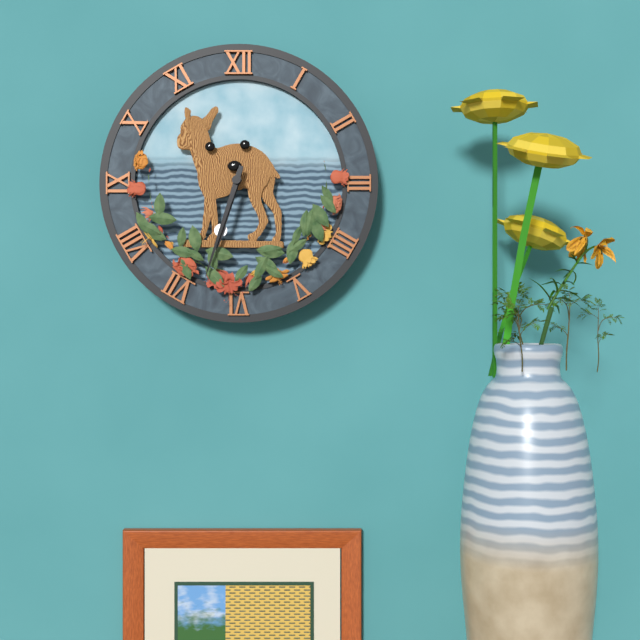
6.33
